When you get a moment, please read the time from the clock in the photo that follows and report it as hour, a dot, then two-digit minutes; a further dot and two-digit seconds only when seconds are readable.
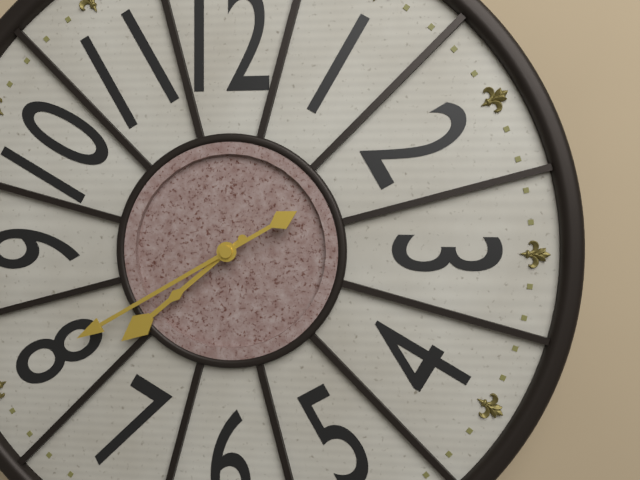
7.40
